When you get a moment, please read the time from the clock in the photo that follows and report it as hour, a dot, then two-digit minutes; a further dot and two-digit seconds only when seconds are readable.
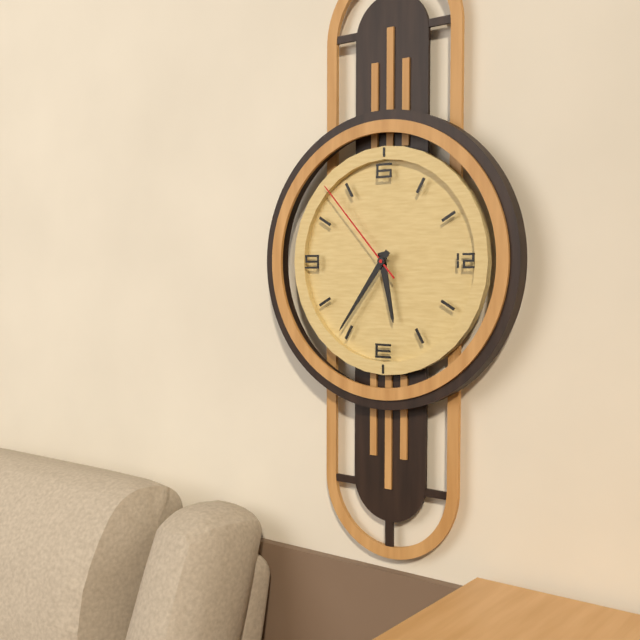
5.36.53
